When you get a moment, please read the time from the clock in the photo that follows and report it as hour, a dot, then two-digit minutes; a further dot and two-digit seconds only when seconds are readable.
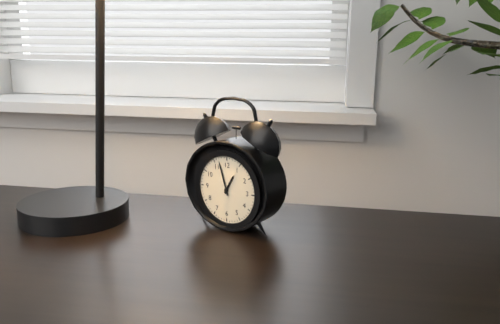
12.57
